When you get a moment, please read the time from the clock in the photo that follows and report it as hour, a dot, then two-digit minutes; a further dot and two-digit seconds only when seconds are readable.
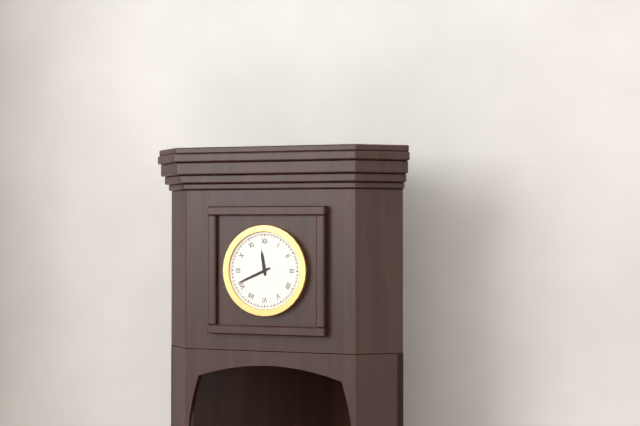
11.41
